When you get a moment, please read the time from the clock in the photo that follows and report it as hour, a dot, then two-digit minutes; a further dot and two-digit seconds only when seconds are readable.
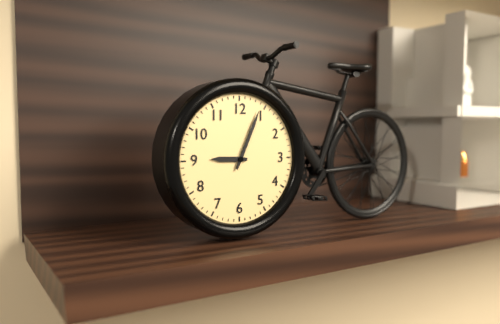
9.04
